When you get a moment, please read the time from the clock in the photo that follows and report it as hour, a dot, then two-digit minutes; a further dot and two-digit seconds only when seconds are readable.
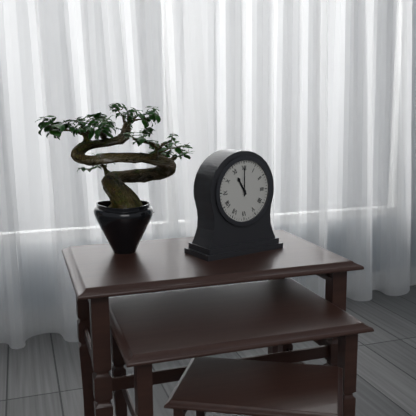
11.00
